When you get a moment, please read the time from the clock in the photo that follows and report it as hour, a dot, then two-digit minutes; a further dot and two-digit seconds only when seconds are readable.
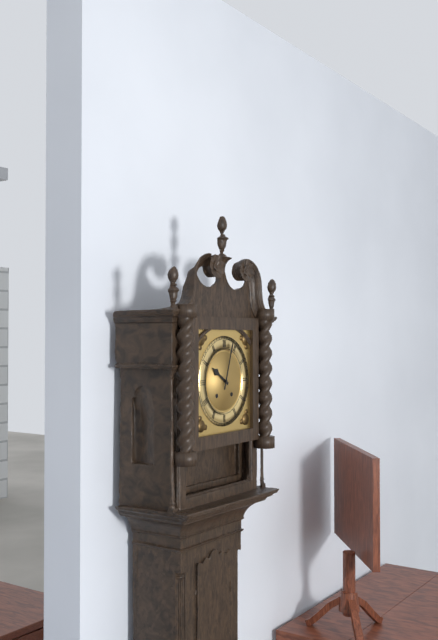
10.03
